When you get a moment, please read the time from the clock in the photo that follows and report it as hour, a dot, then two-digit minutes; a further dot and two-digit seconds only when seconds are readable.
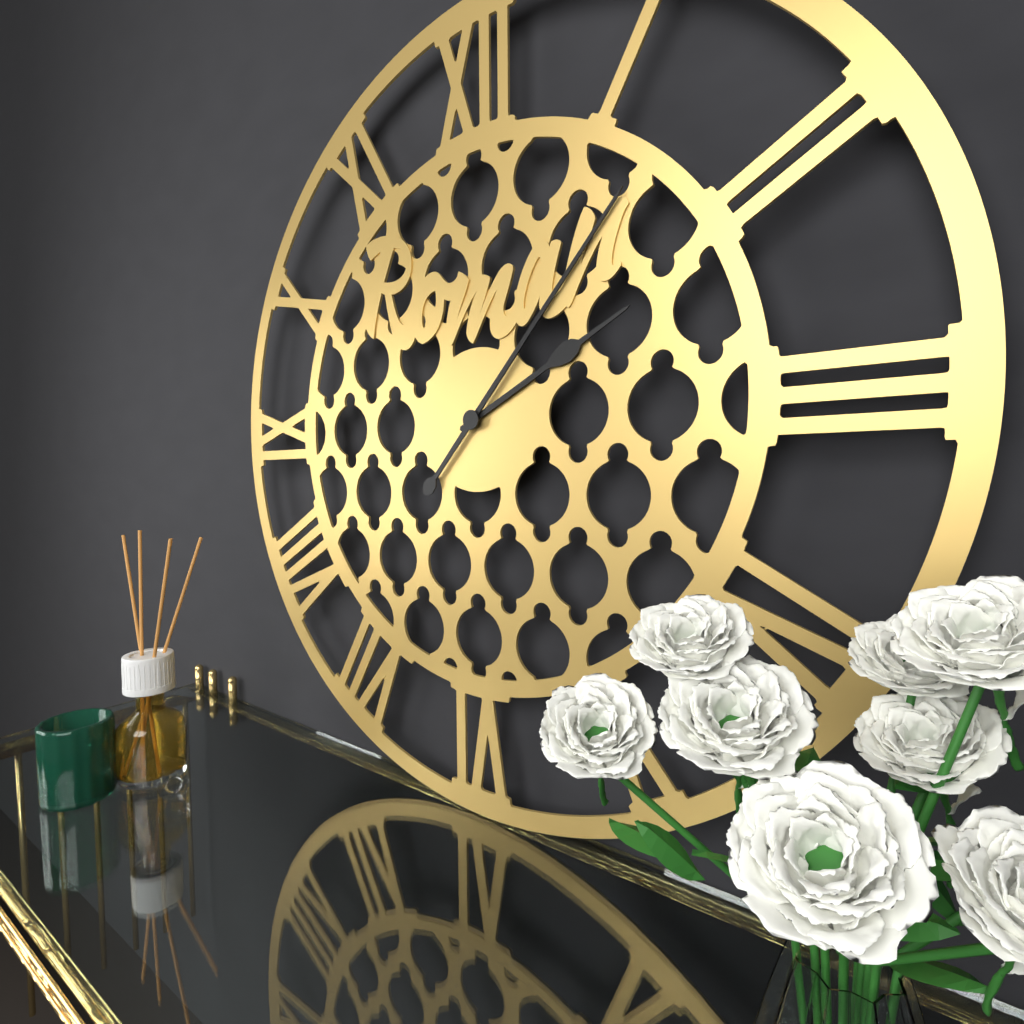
2.07
